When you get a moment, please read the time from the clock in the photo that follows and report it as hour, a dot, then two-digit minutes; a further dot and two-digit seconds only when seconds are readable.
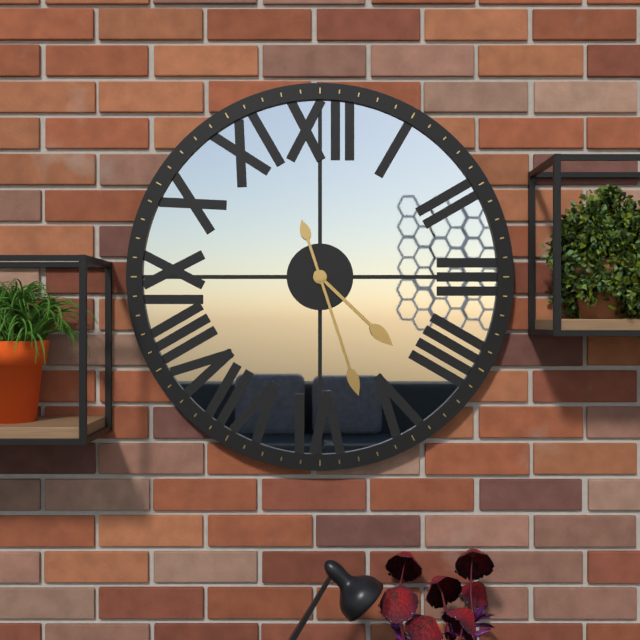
4.27
